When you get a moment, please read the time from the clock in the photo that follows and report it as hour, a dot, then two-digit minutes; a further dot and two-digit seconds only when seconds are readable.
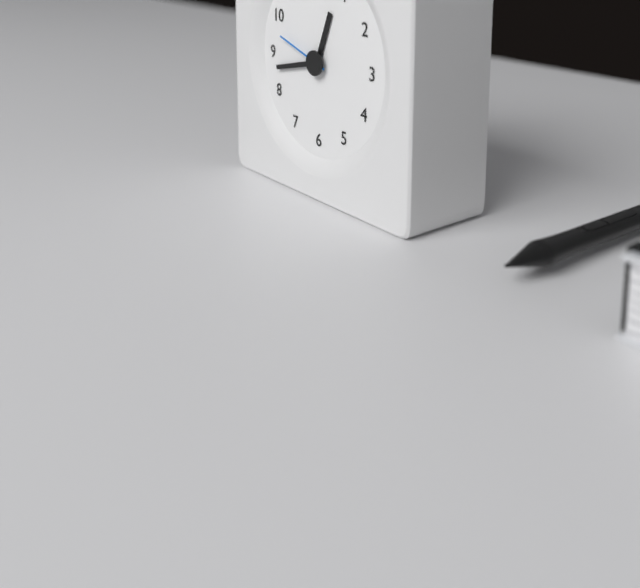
12.43.48
